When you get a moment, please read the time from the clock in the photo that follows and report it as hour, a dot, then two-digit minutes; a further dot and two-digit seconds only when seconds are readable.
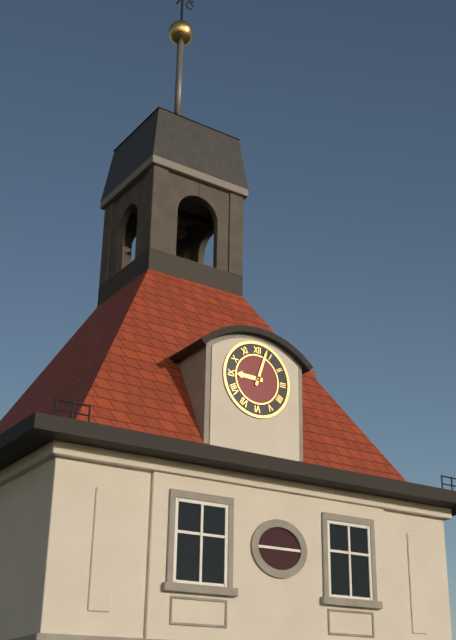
9.03
